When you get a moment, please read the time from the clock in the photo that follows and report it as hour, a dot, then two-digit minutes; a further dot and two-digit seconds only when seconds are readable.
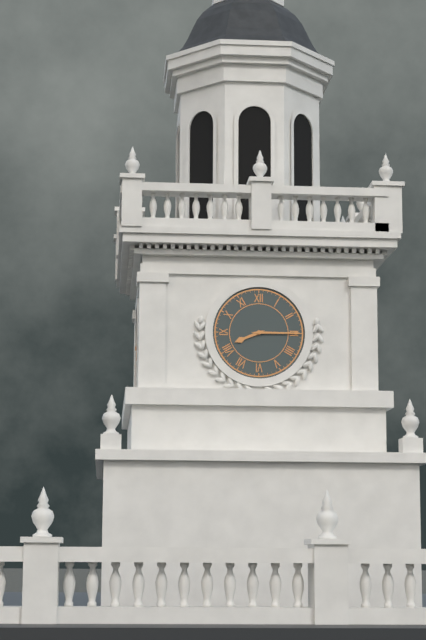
8.15
